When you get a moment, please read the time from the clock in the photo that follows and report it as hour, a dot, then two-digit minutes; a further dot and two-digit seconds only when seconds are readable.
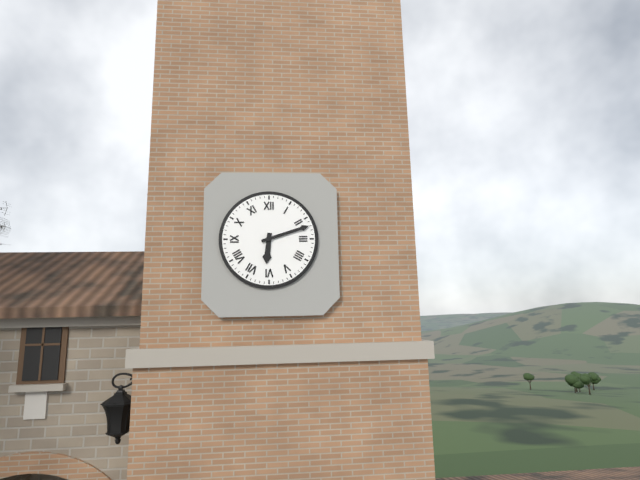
6.12
